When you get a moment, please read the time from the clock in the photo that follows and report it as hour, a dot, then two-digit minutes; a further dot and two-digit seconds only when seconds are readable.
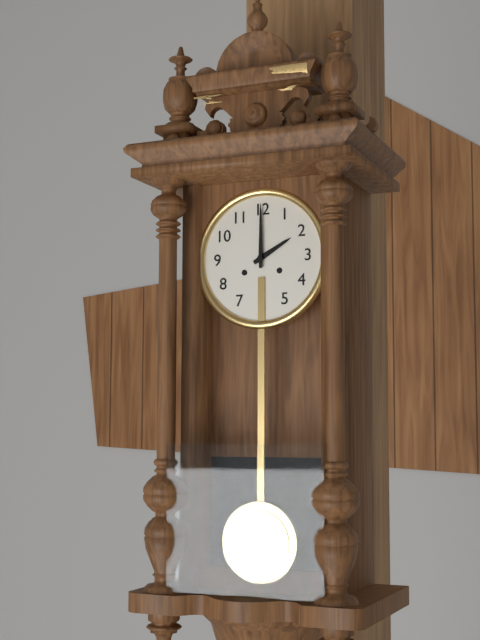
2.00
